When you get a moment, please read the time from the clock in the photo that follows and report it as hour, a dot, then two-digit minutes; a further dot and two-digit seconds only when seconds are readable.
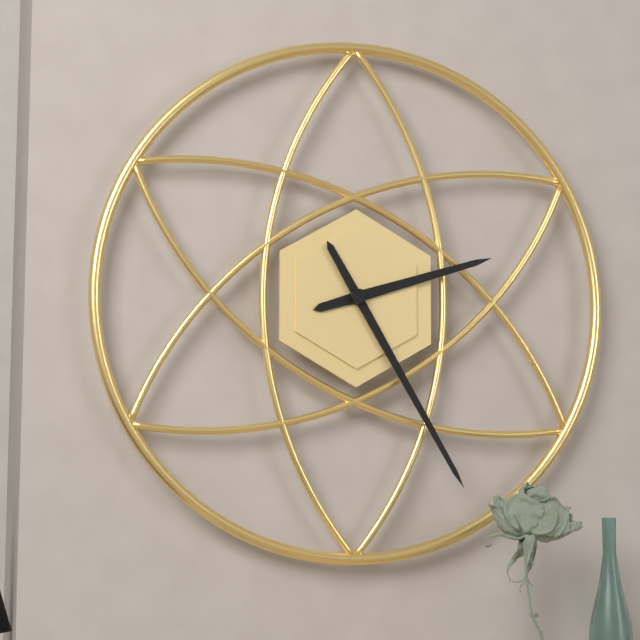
2.25
